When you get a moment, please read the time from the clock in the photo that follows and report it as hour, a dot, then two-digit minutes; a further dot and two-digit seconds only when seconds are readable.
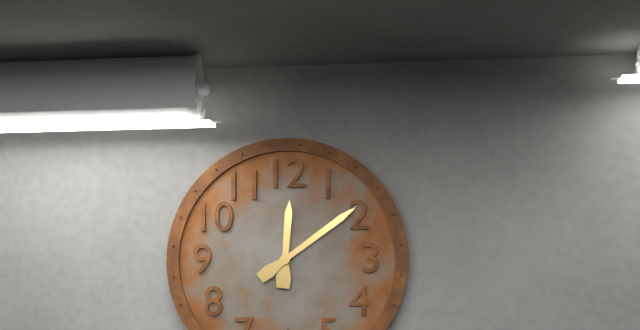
12.09
